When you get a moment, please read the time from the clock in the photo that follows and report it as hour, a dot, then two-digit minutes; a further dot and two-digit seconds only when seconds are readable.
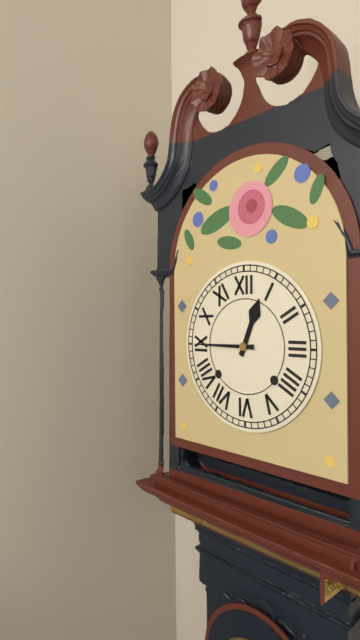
12.45
